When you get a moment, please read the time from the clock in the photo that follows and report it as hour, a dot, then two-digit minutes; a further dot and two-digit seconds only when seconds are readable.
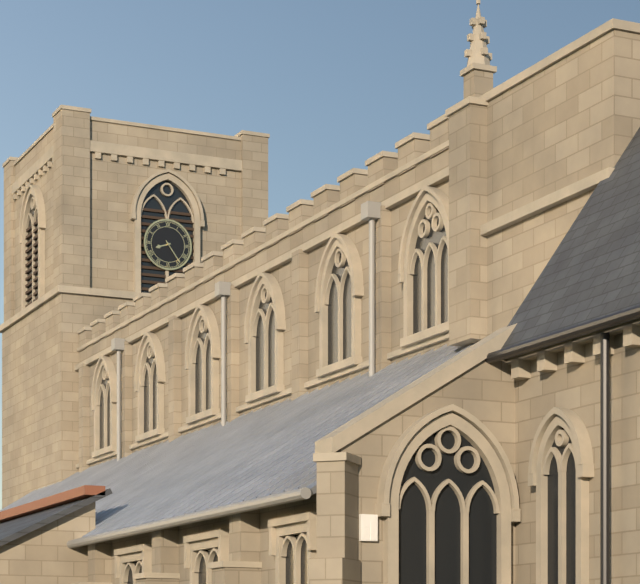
8.24
